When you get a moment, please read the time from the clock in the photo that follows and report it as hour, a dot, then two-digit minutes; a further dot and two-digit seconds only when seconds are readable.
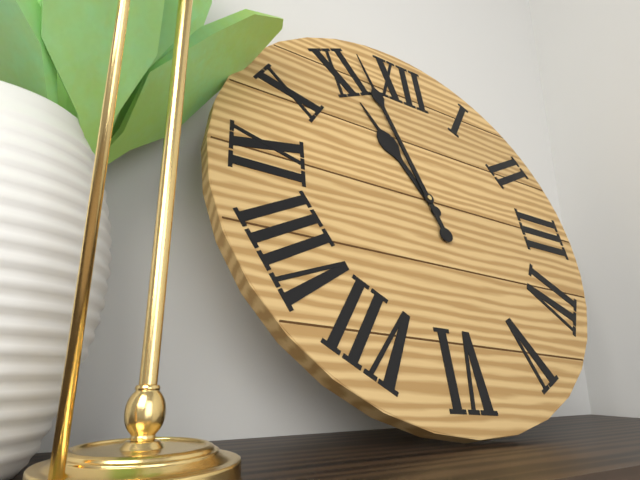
10.57
